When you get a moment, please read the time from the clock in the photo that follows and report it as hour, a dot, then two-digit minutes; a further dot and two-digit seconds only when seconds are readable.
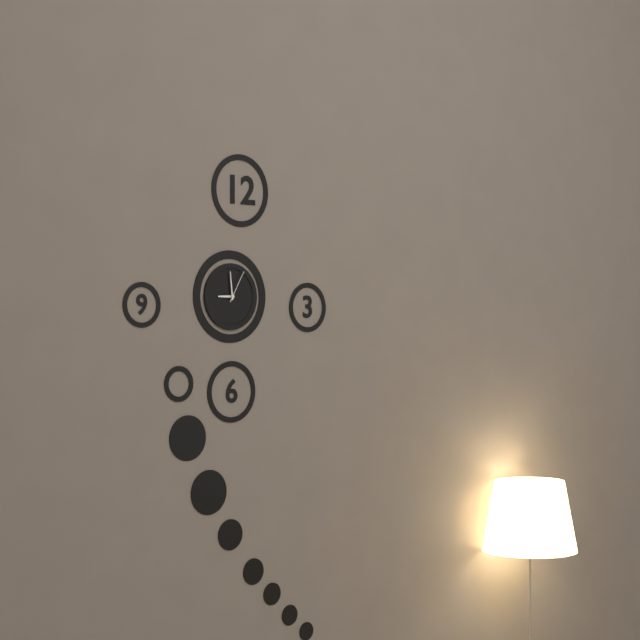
8.59
